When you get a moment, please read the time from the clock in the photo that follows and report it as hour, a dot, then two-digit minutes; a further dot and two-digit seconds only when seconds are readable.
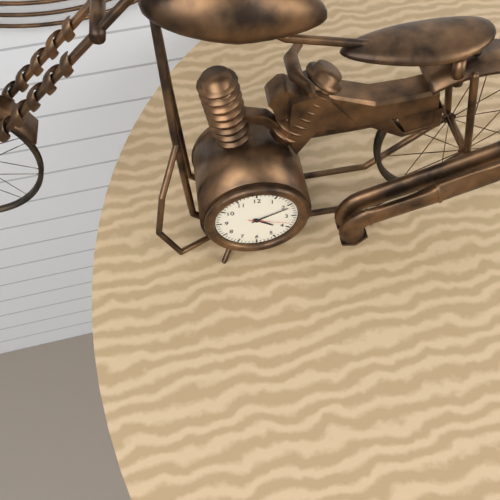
4.11
